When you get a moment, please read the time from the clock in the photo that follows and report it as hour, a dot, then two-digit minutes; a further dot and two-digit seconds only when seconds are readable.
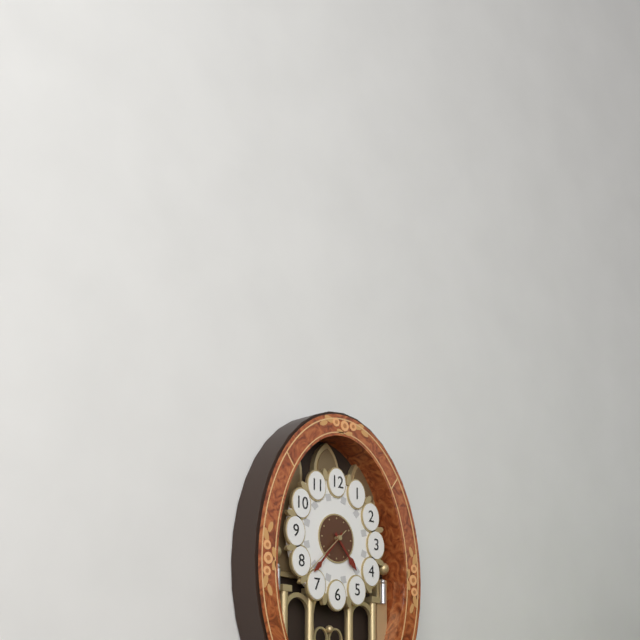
4.37.38
